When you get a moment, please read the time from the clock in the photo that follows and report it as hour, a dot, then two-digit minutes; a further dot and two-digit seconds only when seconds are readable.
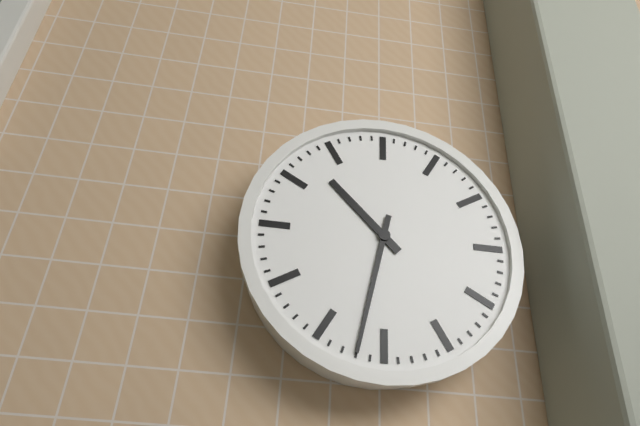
10.32
